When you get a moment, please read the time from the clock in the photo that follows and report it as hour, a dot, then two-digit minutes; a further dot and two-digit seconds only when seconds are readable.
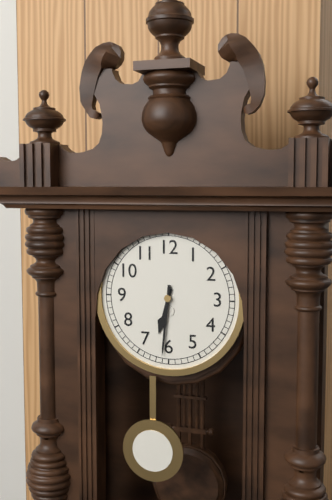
6.31
